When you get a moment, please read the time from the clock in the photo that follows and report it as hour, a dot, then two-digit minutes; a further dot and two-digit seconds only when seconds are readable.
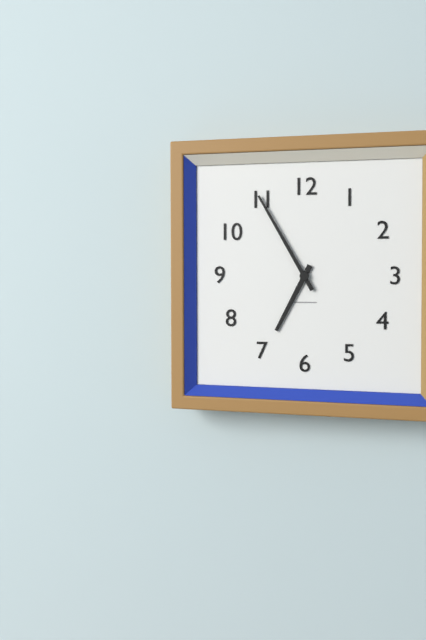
6.55
